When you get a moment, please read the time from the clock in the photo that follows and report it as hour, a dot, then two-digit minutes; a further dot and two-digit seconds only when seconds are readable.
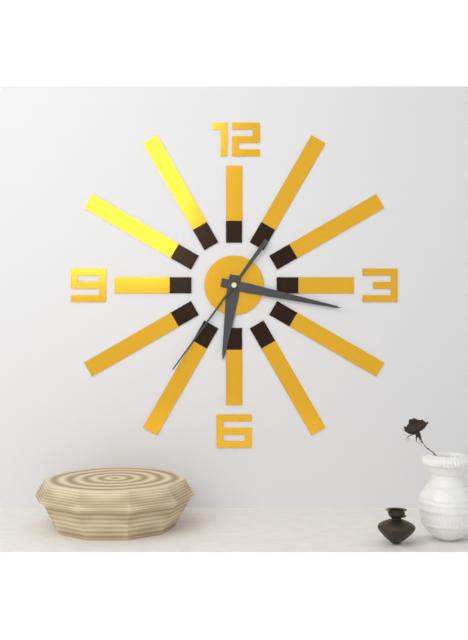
6.17.36
